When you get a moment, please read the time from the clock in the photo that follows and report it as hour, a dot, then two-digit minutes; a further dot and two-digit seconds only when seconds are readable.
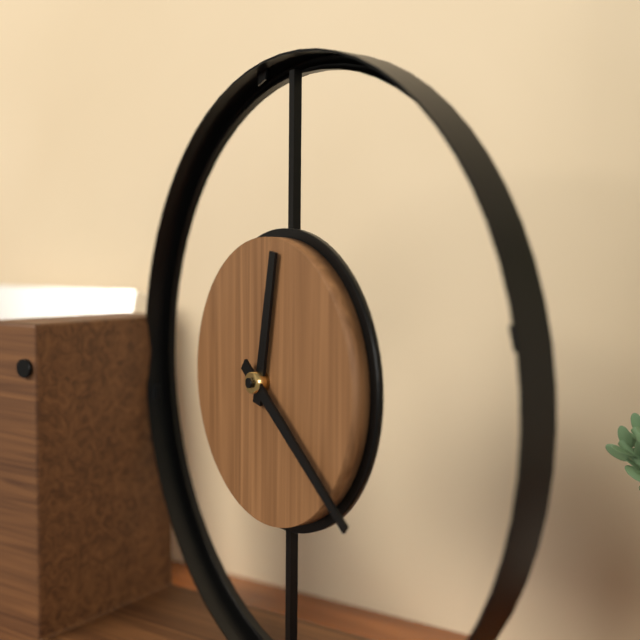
12.21
